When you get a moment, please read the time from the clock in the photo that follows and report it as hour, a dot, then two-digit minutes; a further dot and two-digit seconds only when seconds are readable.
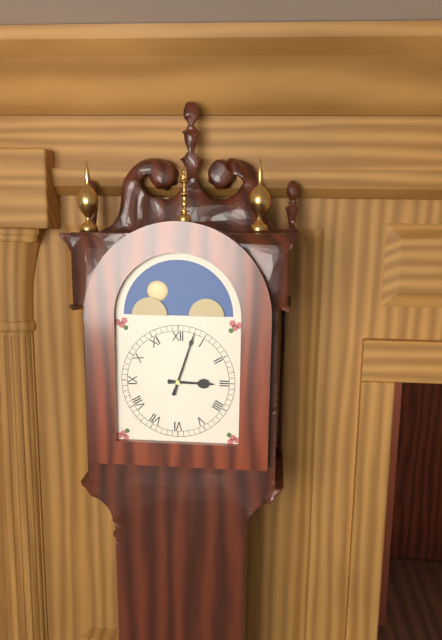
3.03
